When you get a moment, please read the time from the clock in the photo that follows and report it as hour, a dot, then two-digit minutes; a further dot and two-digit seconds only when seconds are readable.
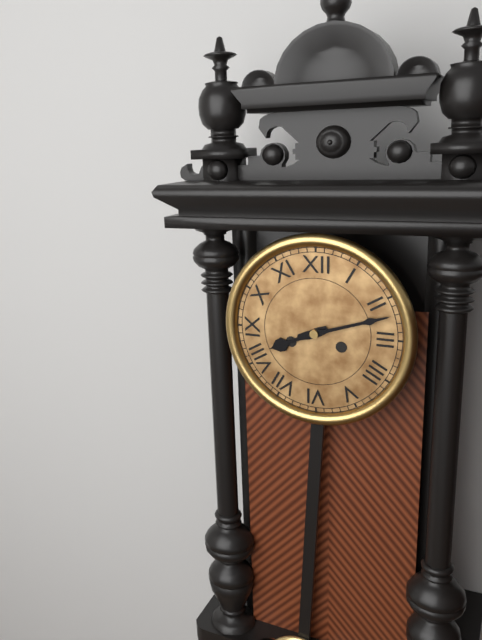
8.12
